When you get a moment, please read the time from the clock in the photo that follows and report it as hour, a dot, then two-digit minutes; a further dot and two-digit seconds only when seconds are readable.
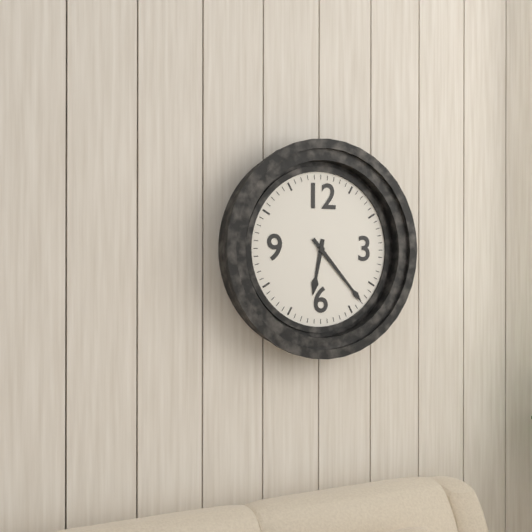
6.23
